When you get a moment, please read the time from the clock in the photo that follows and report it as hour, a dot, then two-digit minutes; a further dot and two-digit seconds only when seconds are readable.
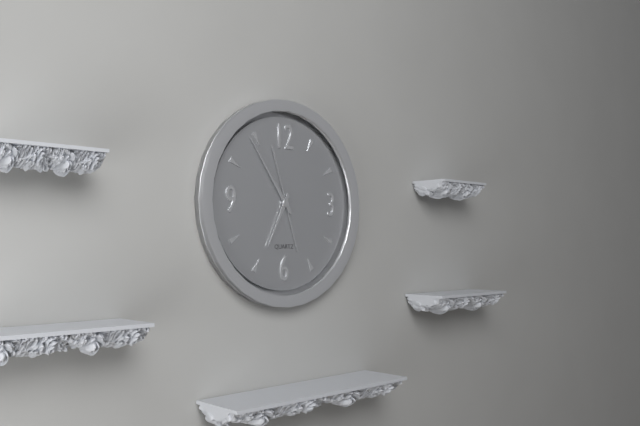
6.54.57
